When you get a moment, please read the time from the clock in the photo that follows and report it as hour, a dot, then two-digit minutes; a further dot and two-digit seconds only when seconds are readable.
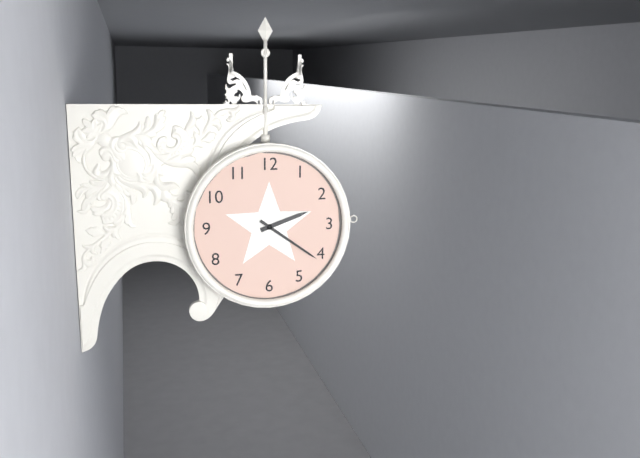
2.21
